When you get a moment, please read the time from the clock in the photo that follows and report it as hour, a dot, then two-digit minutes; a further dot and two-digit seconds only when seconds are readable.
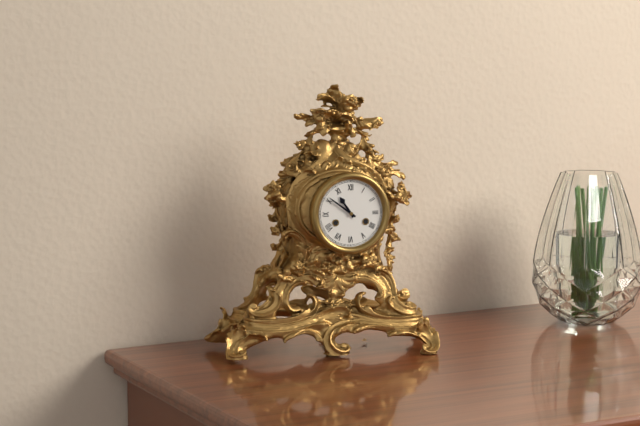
10.51
